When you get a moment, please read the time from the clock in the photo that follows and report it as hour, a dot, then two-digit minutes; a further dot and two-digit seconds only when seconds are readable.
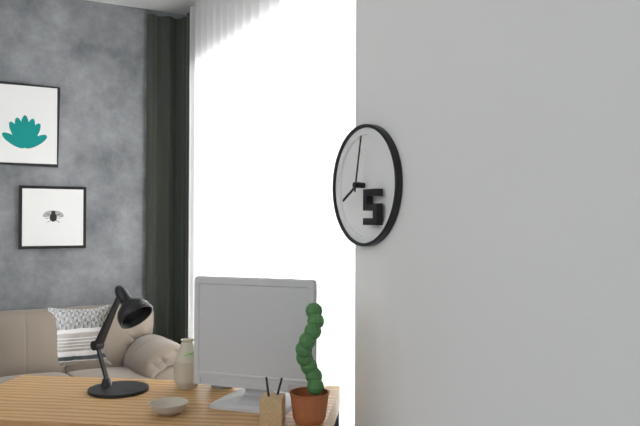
8.02
